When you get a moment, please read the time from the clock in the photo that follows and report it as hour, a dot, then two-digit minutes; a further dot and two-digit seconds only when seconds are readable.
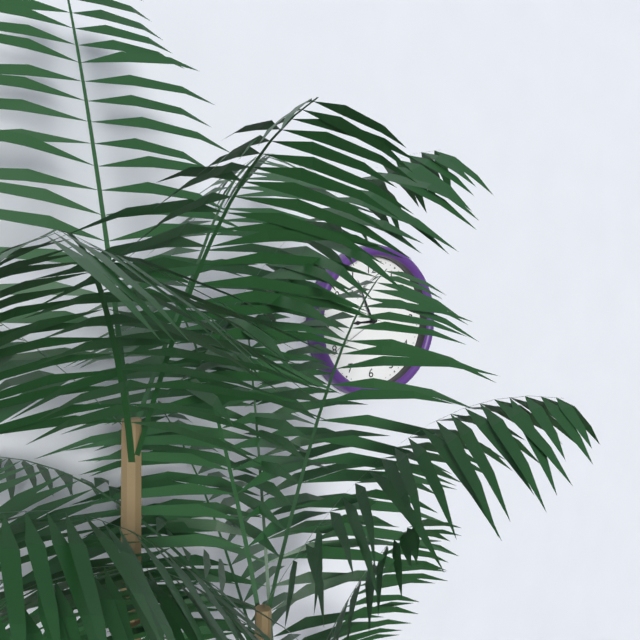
8.56.40
